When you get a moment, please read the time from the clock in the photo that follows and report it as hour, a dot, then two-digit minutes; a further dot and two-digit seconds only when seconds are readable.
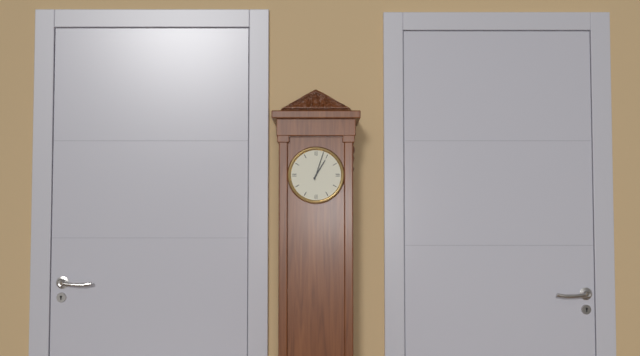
1.03
